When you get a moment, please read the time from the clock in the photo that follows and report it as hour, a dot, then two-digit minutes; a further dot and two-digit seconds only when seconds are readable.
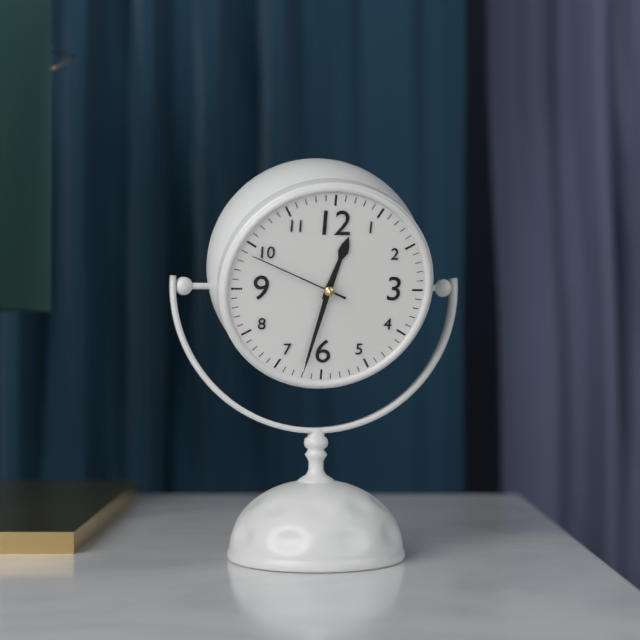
12.32.49
